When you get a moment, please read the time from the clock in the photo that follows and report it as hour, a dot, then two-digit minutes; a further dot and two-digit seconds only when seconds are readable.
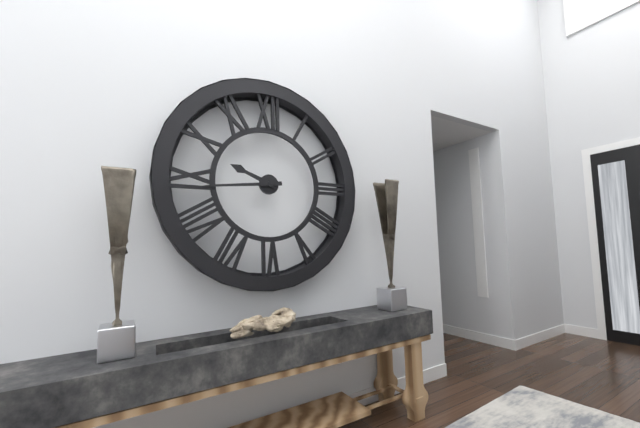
9.44
